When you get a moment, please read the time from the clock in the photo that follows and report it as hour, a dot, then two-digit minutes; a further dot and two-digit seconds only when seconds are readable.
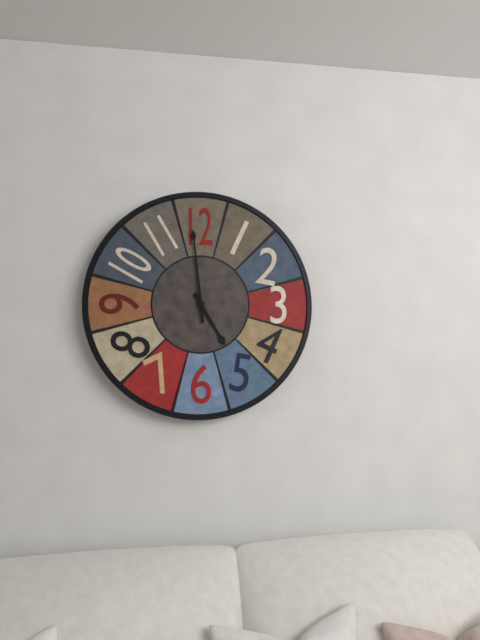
4.59
